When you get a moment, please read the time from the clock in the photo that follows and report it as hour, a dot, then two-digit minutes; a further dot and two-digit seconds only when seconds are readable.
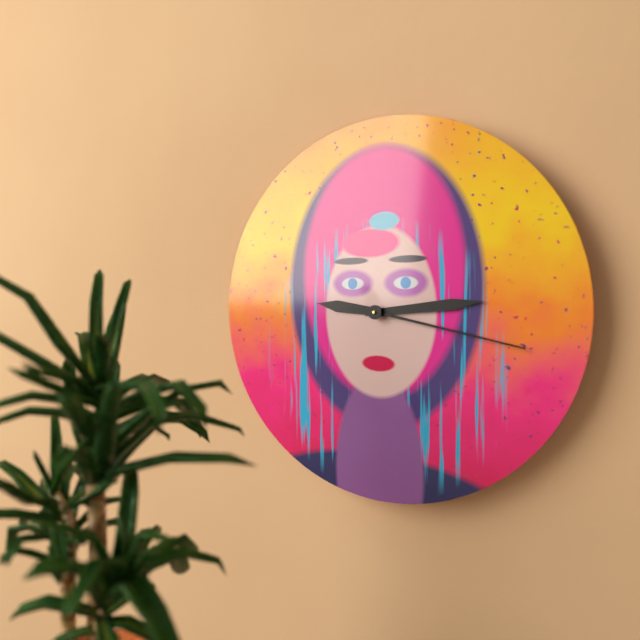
9.14.17
